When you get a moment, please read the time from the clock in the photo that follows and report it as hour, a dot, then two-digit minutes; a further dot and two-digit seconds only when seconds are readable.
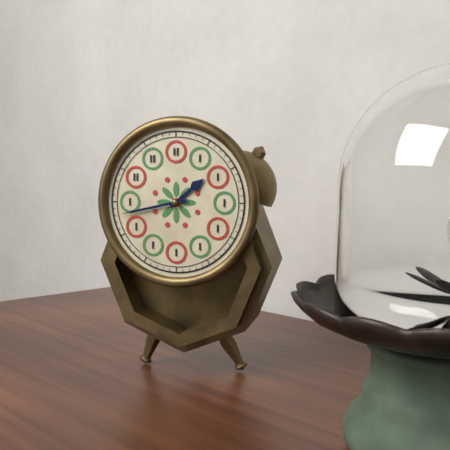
1.43
